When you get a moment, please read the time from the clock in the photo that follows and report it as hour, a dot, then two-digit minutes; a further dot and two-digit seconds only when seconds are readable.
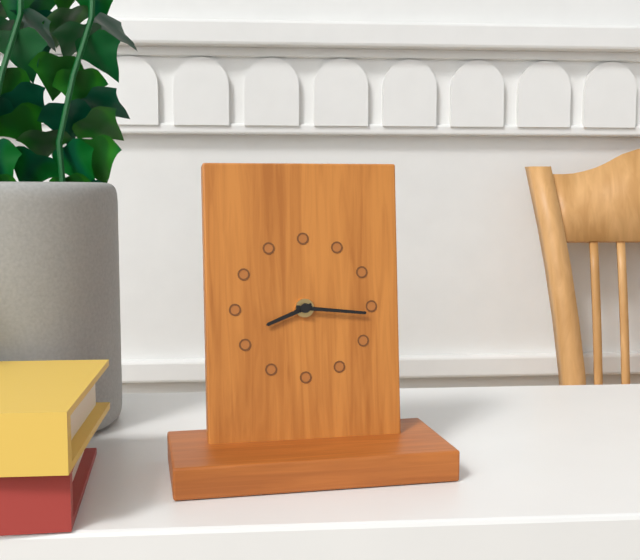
8.16
